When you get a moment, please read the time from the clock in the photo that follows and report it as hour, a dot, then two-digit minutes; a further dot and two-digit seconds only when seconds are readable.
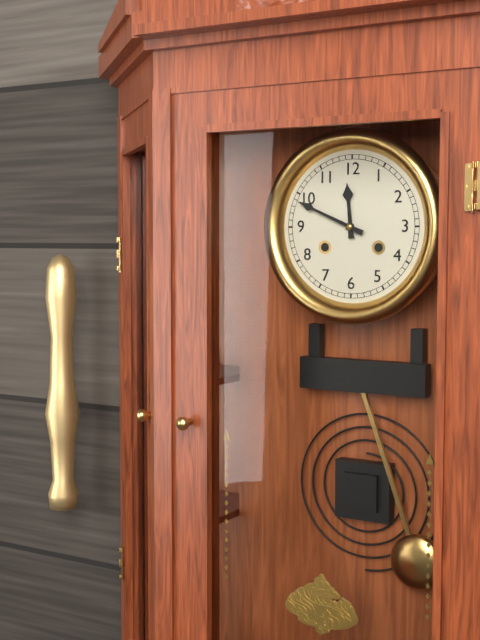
11.49
